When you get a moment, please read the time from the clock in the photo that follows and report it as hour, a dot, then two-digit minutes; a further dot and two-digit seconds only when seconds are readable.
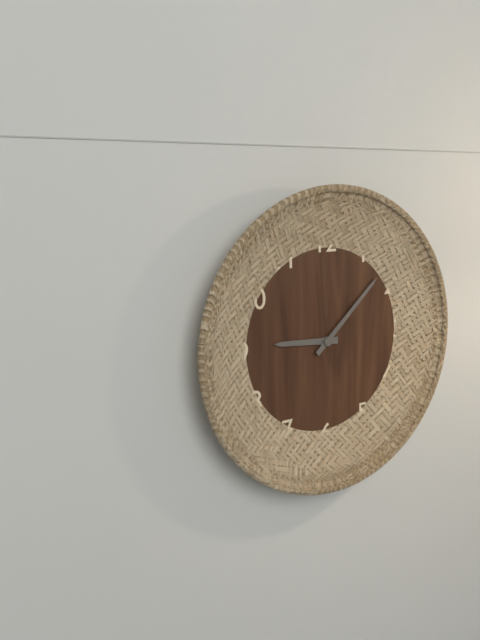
9.08
